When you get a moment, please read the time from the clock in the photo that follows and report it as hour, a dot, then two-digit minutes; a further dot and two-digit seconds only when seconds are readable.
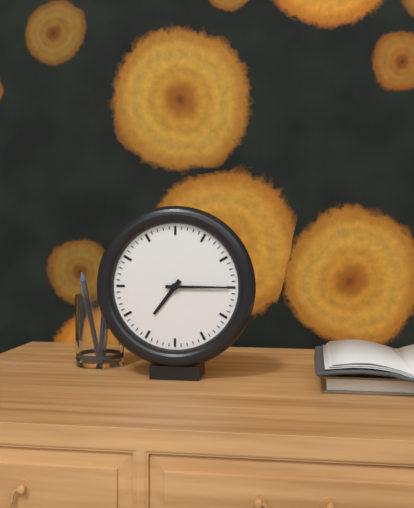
7.15
